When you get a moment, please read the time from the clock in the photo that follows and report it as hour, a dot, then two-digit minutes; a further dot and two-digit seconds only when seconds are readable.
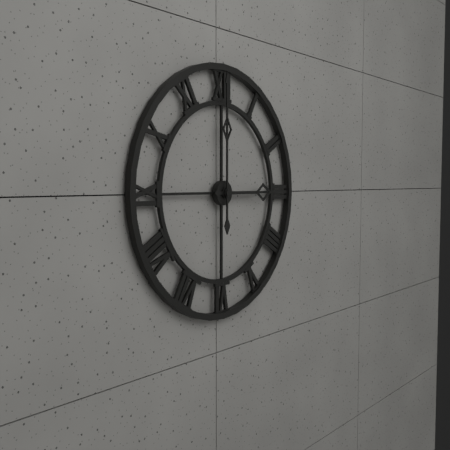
3.00
